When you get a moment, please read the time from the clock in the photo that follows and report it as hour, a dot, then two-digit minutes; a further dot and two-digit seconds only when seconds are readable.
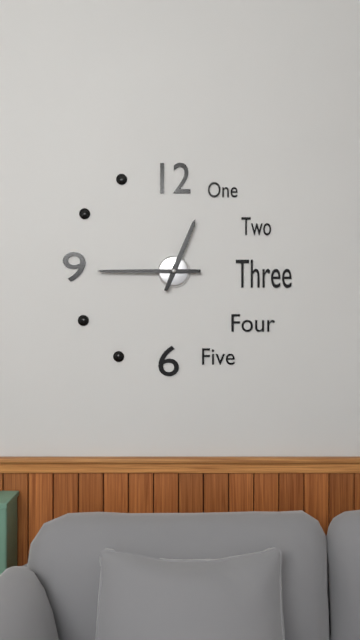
12.45
